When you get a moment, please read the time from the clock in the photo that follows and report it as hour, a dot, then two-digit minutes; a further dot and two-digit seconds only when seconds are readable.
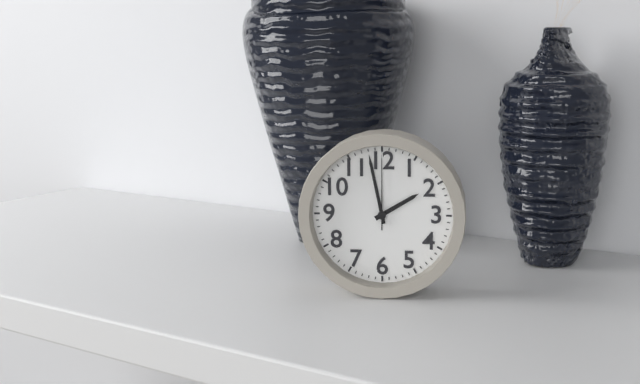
1.58.00
